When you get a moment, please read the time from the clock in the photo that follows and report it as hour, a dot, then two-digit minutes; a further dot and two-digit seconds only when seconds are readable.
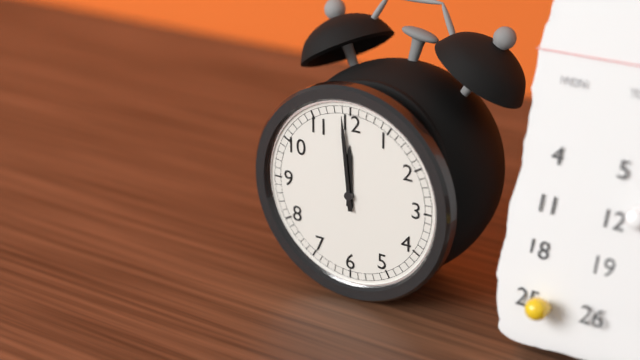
11.59
